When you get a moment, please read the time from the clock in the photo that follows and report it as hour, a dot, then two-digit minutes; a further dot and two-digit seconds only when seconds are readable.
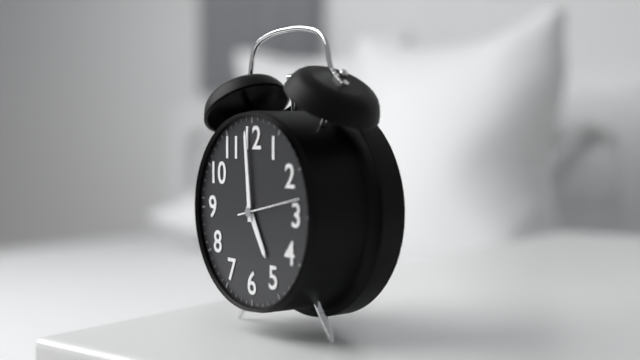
4.59
